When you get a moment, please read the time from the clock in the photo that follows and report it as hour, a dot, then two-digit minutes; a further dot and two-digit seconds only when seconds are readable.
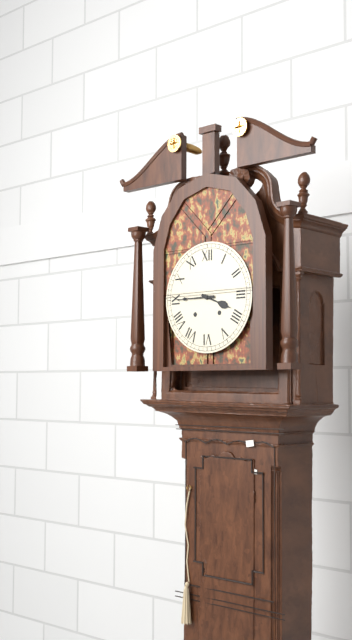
3.45
